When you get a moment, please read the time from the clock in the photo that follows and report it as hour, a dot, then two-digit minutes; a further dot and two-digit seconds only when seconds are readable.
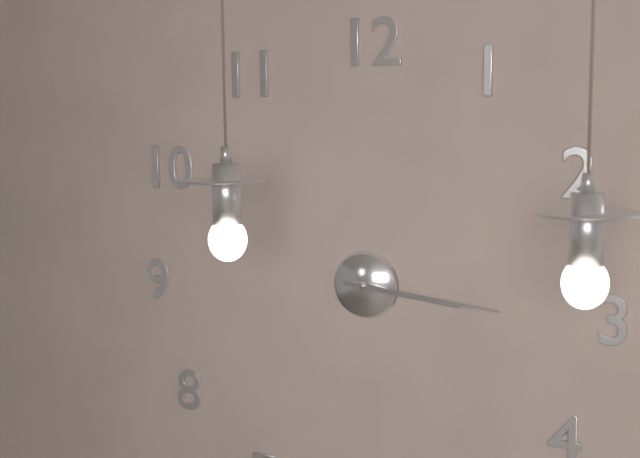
3.16
